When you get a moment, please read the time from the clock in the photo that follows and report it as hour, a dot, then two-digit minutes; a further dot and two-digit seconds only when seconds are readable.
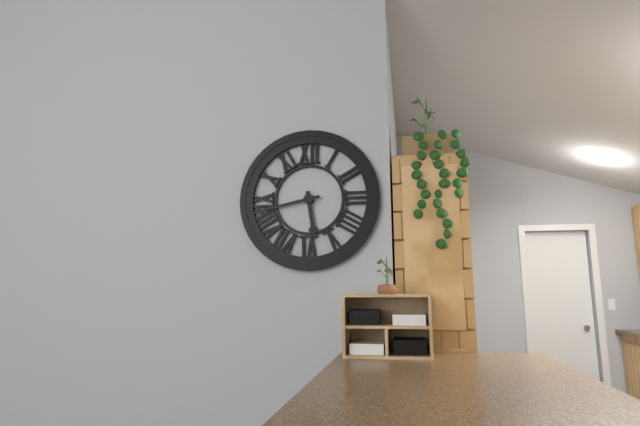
5.43
